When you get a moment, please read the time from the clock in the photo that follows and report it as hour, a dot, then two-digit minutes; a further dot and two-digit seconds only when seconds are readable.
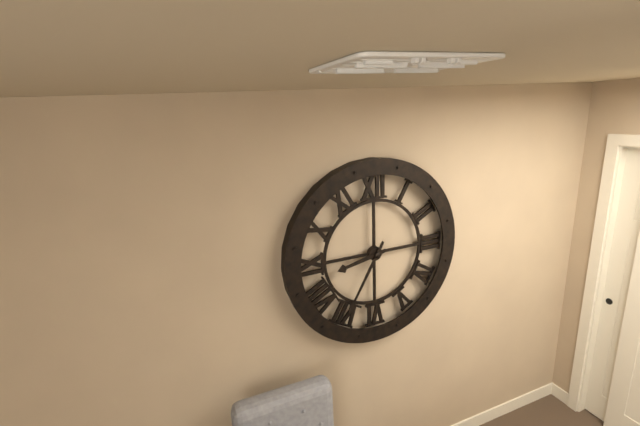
8.35
